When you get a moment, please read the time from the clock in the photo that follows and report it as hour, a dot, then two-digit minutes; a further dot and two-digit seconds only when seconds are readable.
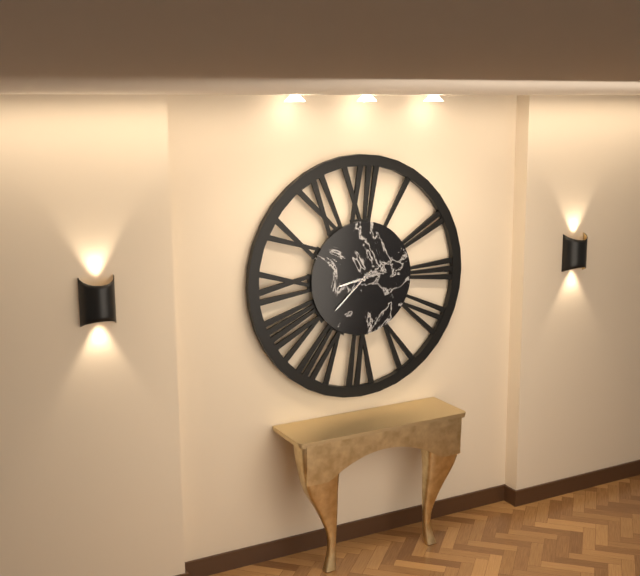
8.38
